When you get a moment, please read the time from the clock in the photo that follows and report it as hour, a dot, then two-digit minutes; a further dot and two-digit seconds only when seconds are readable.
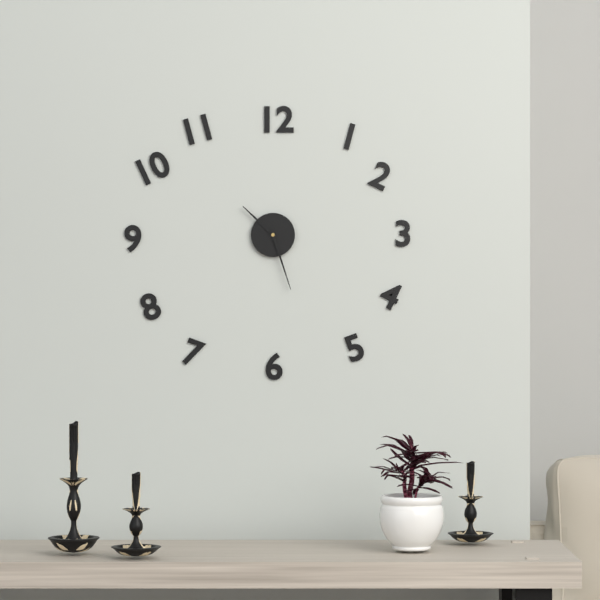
10.27
